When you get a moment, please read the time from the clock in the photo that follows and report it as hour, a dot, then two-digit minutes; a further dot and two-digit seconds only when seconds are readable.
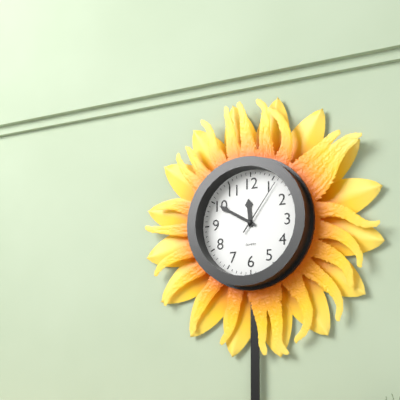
11.50.06
